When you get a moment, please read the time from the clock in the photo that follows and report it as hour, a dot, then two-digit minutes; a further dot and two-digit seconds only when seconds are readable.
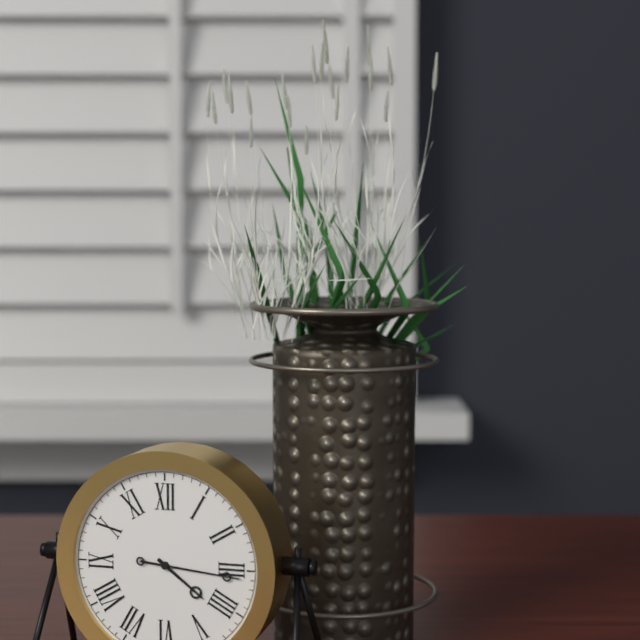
4.16
